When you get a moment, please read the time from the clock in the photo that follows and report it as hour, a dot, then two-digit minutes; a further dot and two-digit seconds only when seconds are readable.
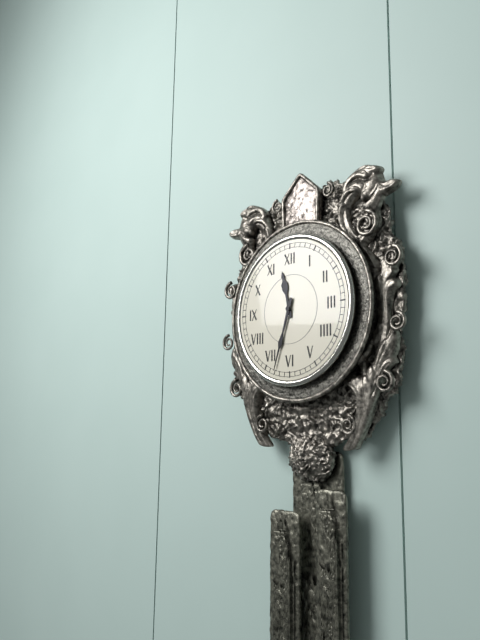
11.33
